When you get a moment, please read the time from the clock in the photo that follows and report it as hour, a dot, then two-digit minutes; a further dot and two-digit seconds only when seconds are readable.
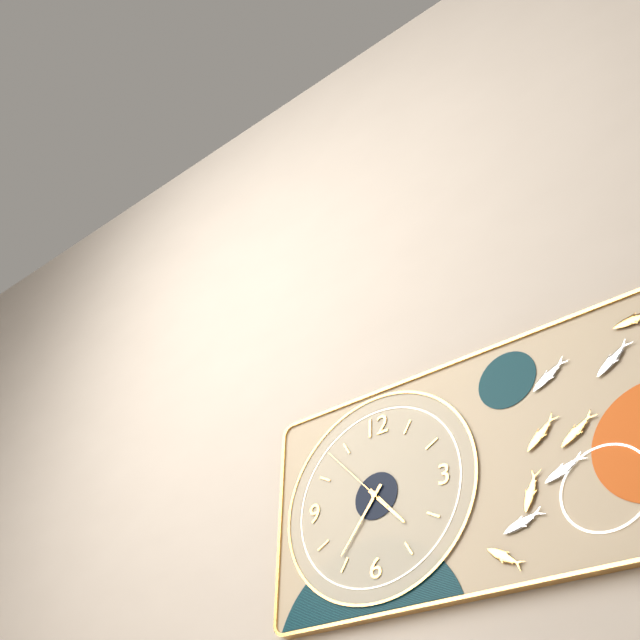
4.36.53
